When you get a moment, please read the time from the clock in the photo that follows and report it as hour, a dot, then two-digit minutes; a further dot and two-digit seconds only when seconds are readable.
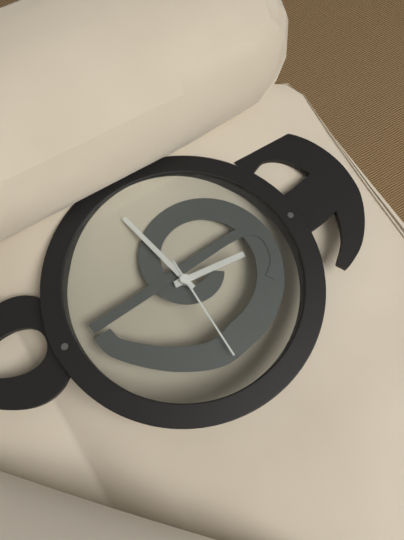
6.13.45
